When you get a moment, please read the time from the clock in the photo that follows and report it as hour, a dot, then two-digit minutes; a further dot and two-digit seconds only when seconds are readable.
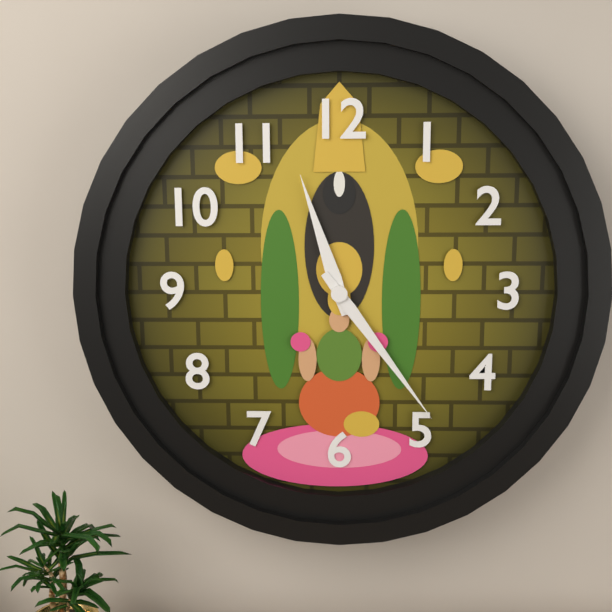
11.24
